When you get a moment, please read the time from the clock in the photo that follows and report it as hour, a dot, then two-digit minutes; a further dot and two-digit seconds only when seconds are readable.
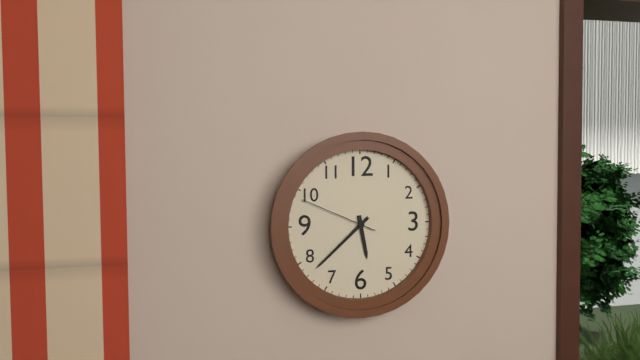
5.38.49
